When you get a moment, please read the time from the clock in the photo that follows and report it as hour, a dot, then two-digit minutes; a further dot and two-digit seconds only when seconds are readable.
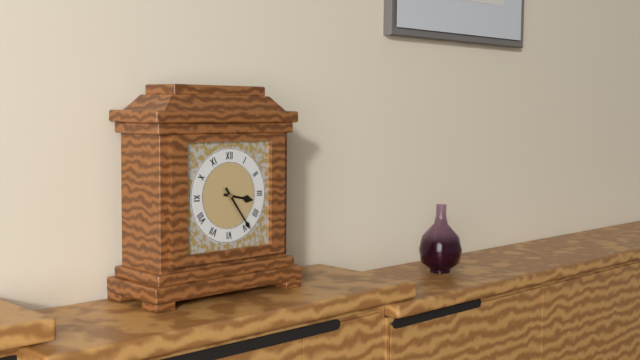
3.24
